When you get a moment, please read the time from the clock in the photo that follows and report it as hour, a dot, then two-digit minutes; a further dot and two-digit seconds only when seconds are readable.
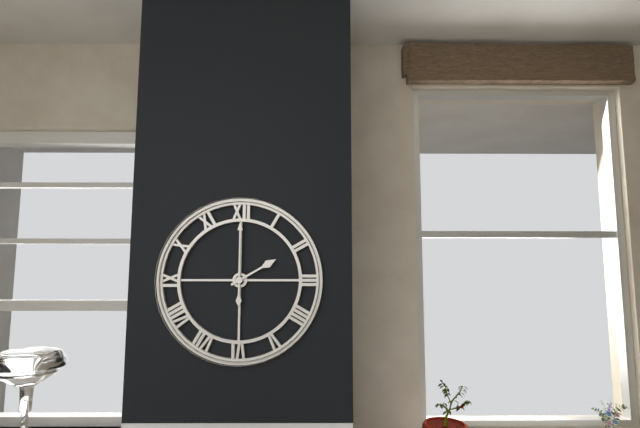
2.00
